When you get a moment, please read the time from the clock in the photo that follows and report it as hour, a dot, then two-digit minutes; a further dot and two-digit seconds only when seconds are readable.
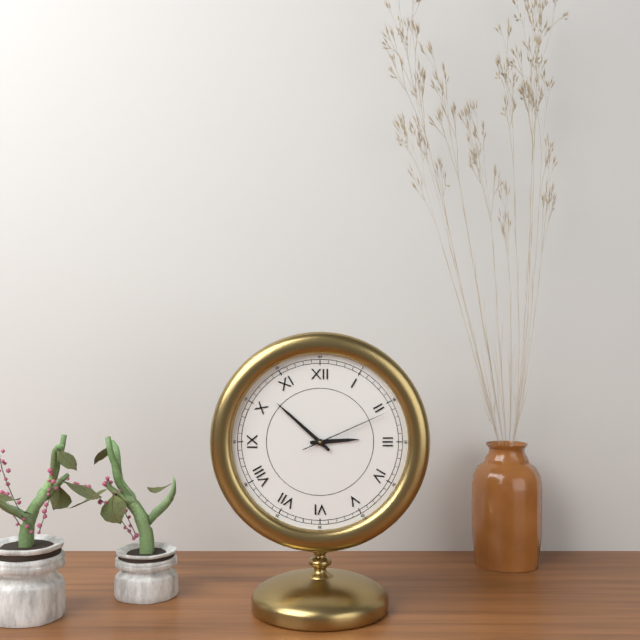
2.52.11
